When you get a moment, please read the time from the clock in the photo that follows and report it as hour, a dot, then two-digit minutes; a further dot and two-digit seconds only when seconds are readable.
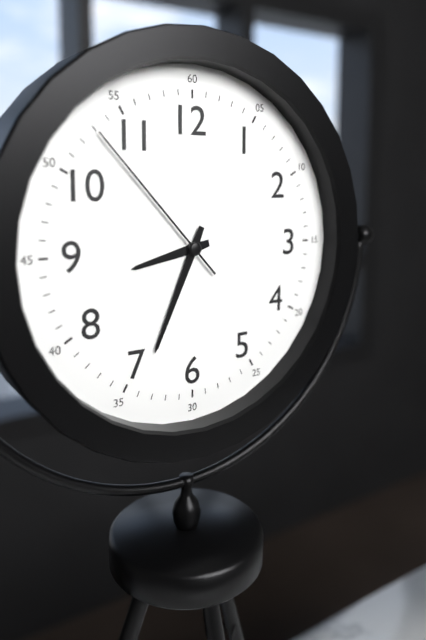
8.34.53
